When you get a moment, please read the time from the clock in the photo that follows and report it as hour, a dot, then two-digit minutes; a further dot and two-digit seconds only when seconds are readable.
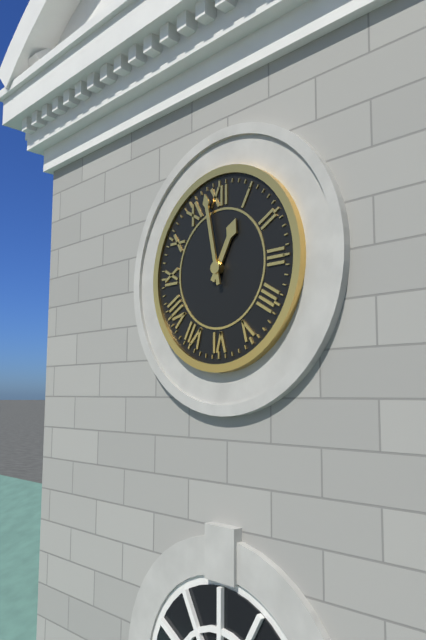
12.58
